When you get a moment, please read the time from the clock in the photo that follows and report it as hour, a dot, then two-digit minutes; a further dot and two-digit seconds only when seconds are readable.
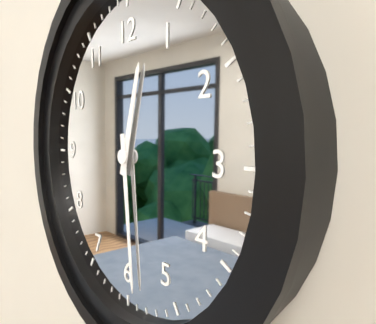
12.29
